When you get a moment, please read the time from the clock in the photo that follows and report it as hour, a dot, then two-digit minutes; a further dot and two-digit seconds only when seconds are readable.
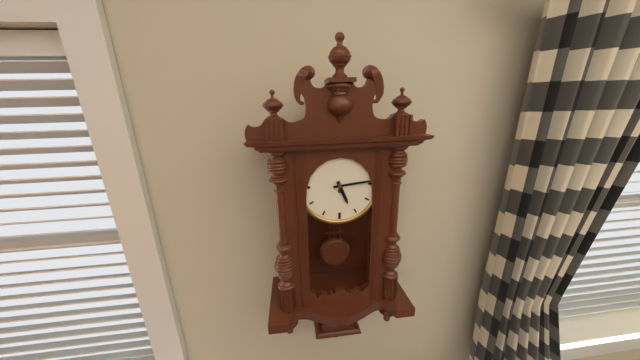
5.14
